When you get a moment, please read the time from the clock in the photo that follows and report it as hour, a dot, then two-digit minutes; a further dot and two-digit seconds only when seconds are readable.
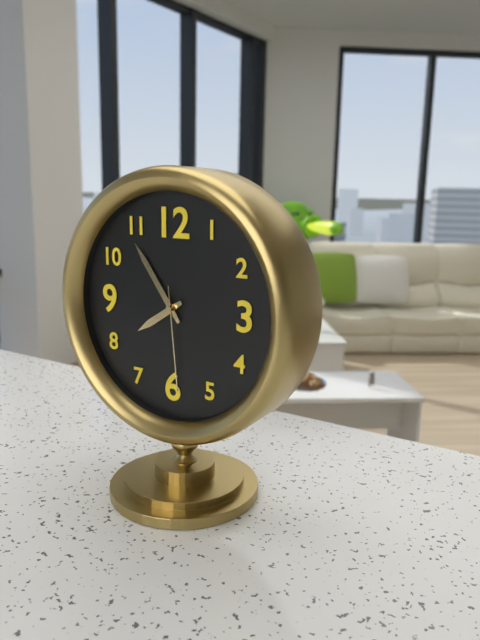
7.54.29
